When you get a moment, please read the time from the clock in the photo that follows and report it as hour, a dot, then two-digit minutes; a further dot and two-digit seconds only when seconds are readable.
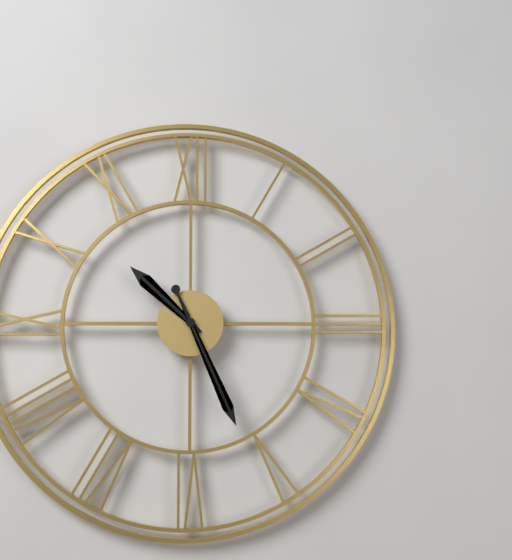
10.26
